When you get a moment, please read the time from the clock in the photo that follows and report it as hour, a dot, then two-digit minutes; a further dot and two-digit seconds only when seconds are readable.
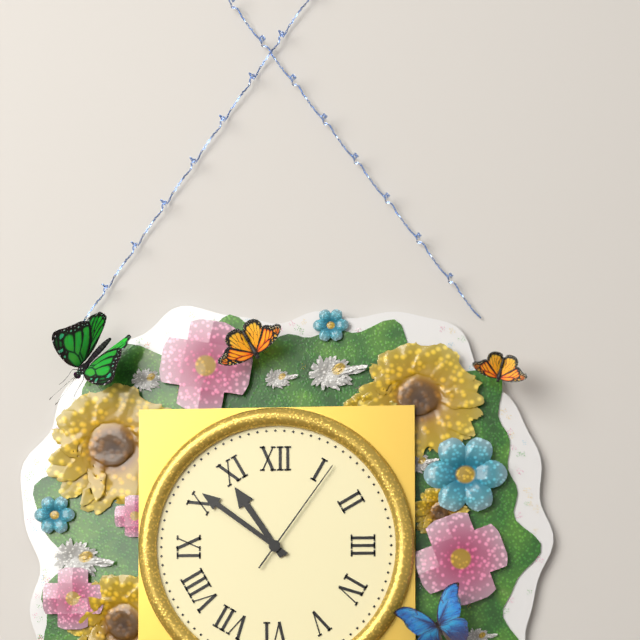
10.51.06
